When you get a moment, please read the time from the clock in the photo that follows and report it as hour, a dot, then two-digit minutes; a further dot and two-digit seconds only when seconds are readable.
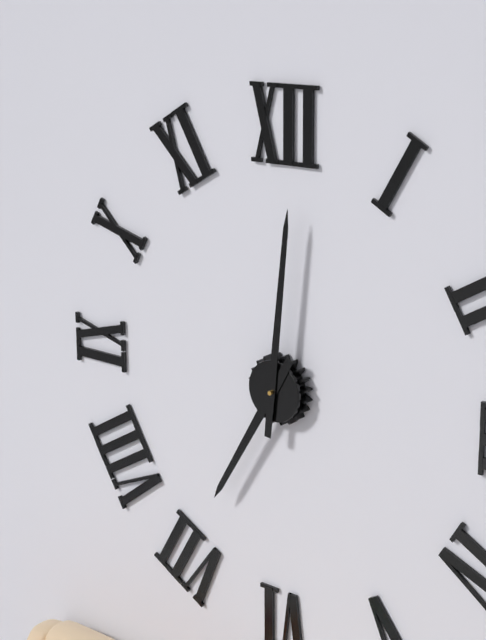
7.01
